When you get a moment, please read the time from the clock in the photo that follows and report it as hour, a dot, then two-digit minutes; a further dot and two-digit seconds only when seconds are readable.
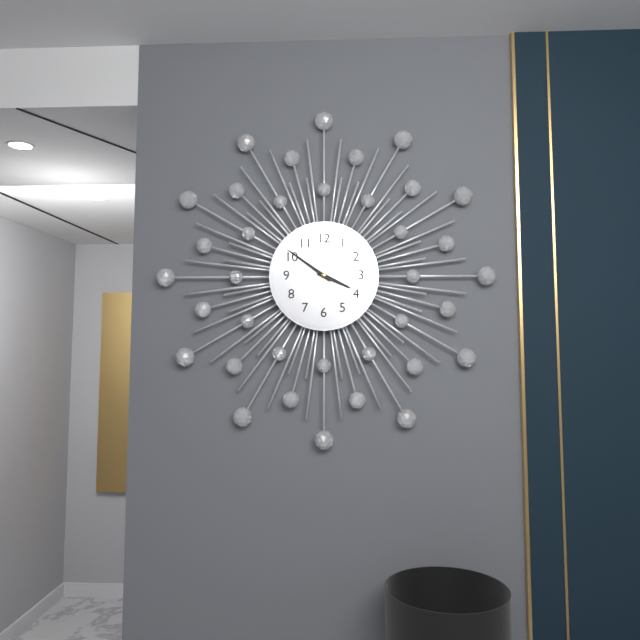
3.51
